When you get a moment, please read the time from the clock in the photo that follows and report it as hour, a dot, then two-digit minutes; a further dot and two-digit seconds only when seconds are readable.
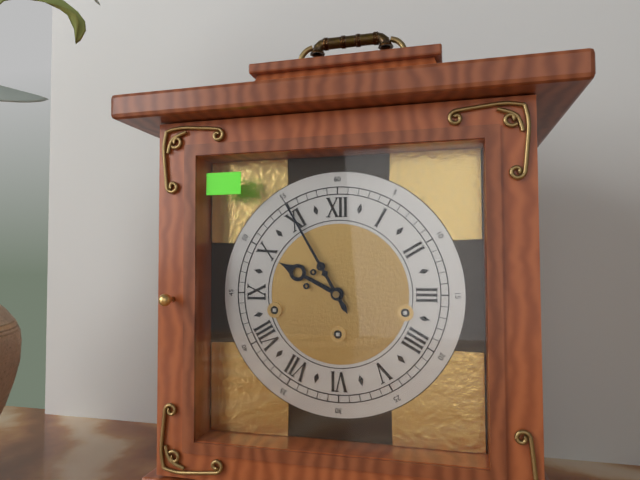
9.55
